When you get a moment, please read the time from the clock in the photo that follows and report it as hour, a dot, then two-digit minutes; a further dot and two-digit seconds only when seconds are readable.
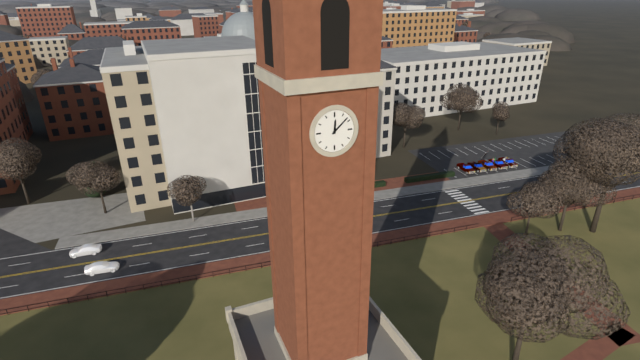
12.08
